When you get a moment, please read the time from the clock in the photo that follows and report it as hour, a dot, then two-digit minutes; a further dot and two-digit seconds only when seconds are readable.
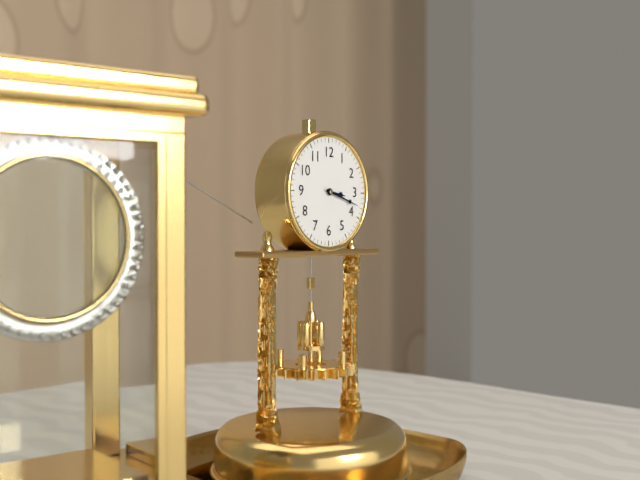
3.18
